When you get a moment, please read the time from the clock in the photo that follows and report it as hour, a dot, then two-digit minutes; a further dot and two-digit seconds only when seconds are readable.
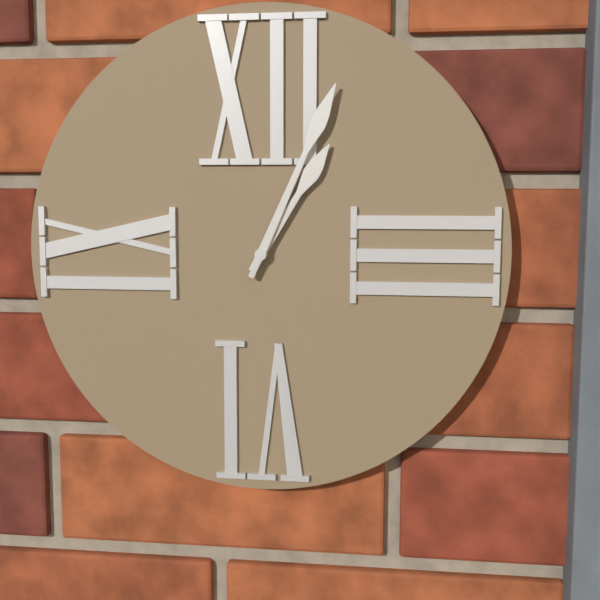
1.04
